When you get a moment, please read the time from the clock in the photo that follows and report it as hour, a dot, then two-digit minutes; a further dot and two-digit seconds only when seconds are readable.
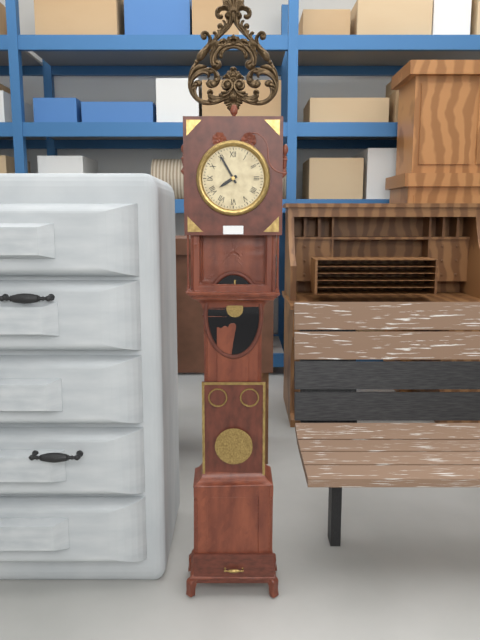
7.55
